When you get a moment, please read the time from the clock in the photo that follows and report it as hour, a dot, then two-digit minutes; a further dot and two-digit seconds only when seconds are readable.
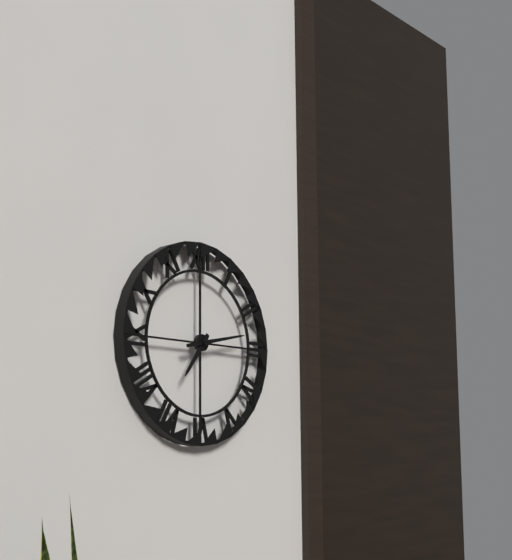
7.13
